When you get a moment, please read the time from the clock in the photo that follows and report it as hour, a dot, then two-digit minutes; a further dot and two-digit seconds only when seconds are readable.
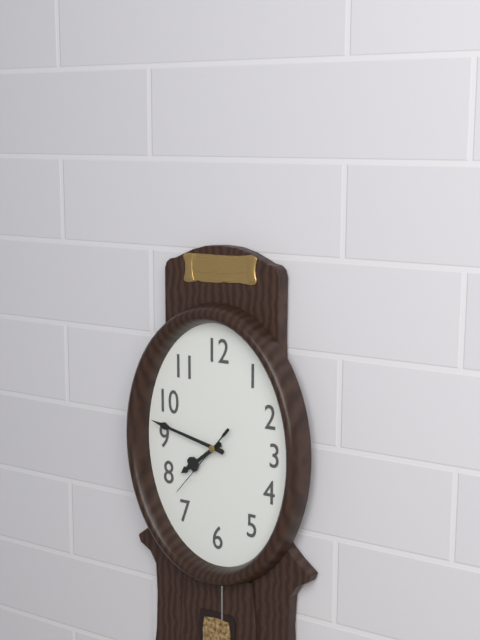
7.47.37
